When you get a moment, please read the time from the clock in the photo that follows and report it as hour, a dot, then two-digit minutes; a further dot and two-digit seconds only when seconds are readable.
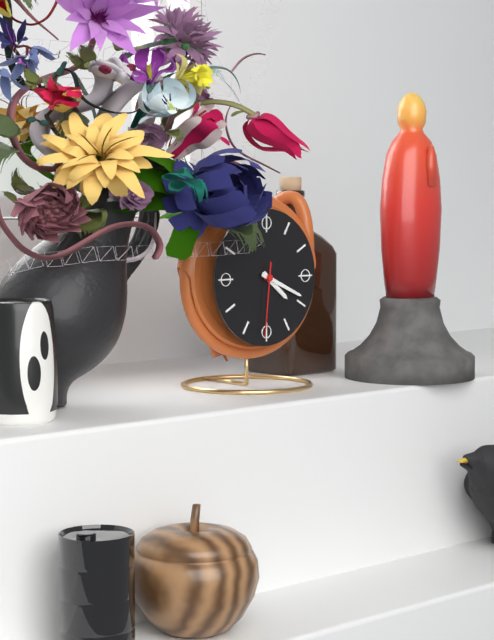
4.19.31
